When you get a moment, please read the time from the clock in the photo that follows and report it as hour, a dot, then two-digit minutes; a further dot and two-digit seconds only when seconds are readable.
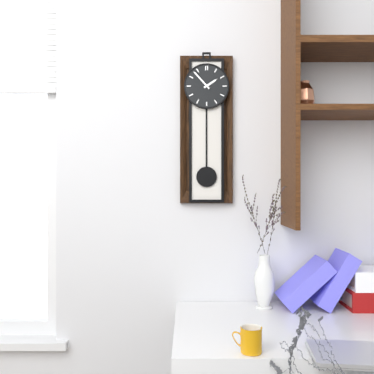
1.53
